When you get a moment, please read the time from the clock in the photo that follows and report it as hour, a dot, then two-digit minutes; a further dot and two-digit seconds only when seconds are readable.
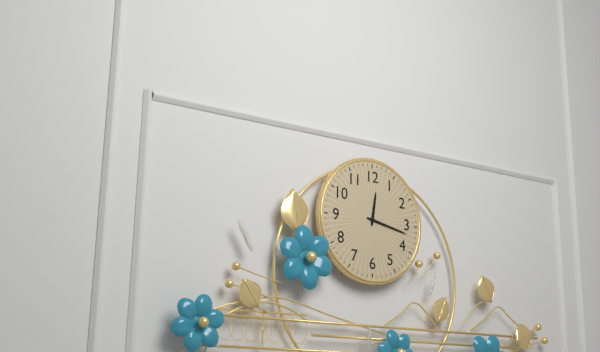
12.17
